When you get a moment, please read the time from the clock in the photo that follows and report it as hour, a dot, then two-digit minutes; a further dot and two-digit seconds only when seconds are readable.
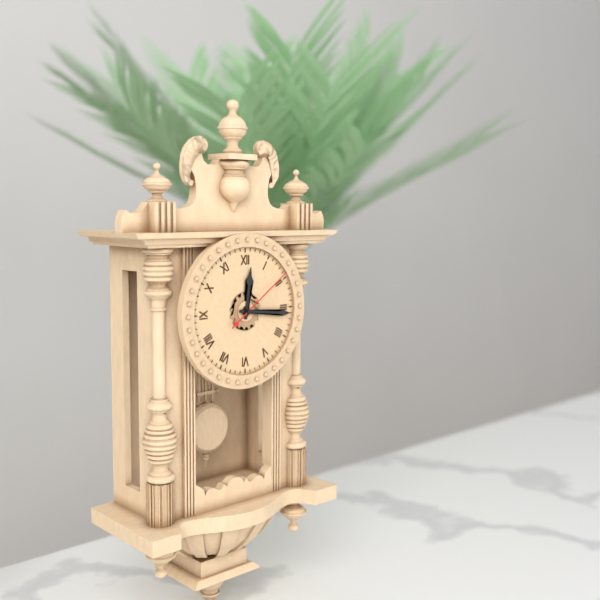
12.16.09
